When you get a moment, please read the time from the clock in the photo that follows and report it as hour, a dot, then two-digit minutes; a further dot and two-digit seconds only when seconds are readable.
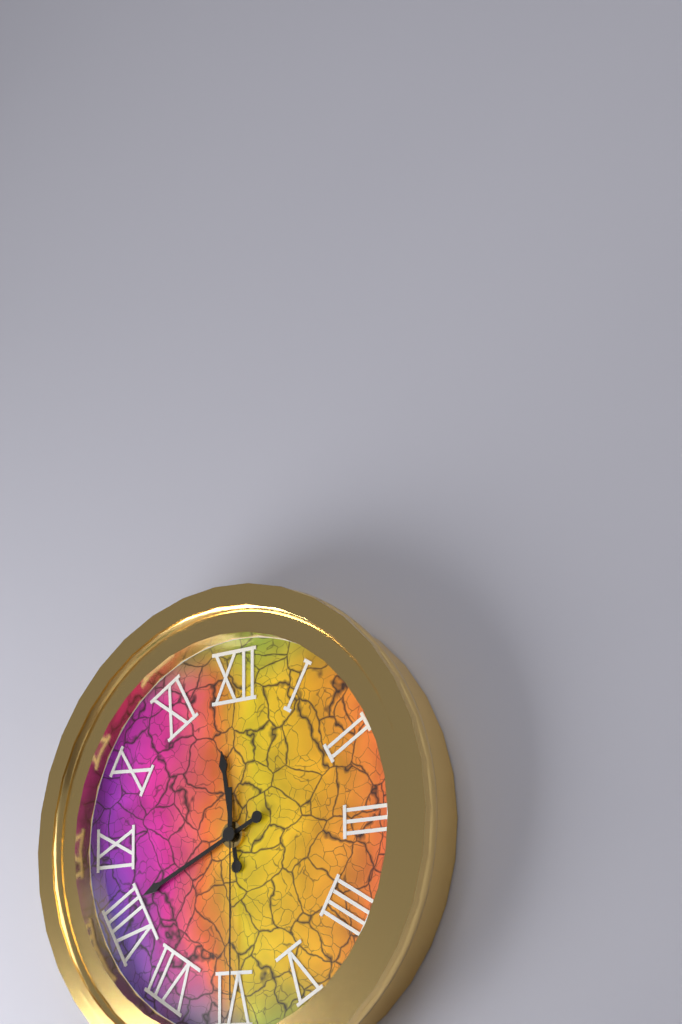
11.41.30
